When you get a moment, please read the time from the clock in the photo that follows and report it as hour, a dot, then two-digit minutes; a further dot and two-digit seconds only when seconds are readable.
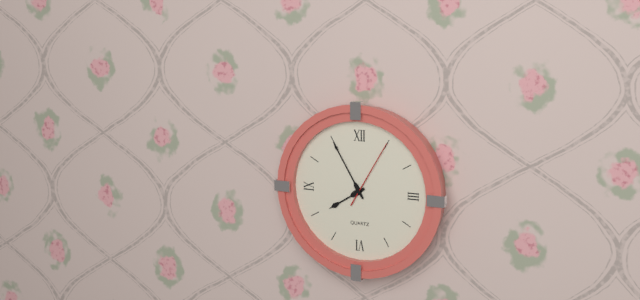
7.55.05
